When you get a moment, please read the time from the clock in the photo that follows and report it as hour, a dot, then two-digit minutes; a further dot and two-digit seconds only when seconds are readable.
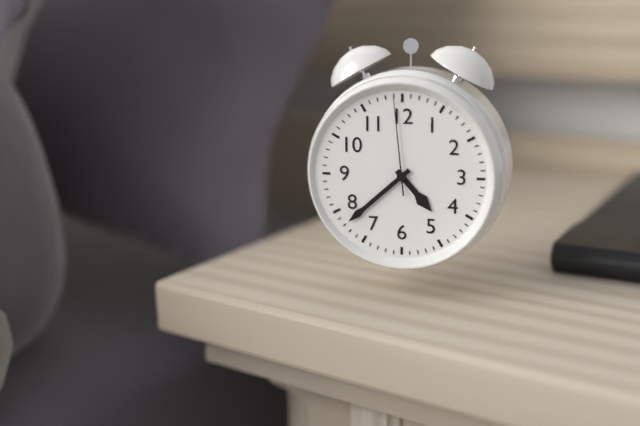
4.38.59
